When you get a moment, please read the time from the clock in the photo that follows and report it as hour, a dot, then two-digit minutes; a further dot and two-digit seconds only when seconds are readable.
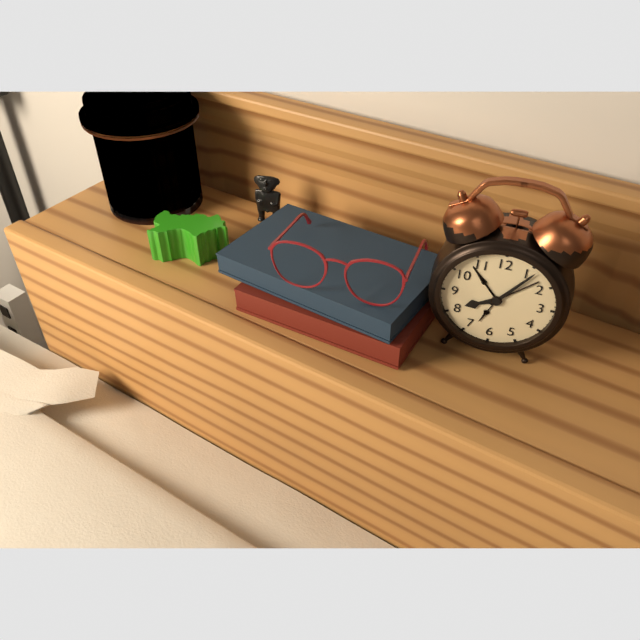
8.06
